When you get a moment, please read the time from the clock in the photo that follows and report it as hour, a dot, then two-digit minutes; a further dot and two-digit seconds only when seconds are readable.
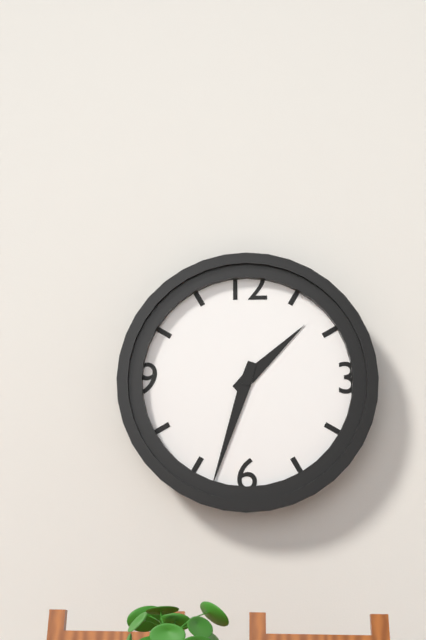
1.33
